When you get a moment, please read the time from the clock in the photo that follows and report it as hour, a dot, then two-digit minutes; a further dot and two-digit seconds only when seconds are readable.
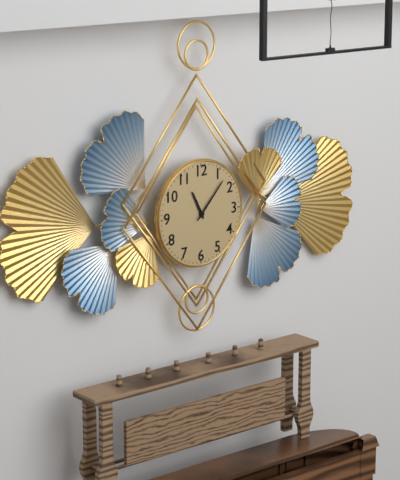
11.07
